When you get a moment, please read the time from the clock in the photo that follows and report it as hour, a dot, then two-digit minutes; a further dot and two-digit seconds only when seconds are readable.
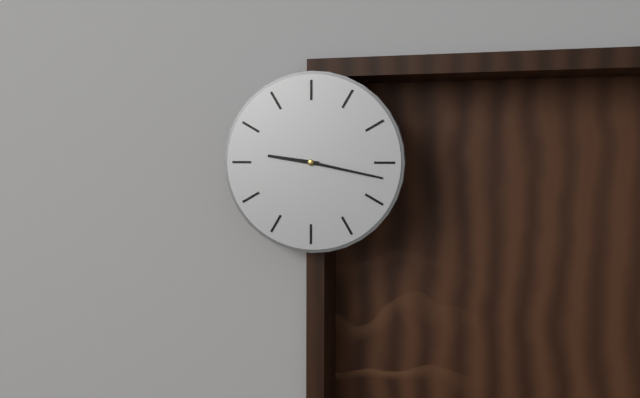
9.17
